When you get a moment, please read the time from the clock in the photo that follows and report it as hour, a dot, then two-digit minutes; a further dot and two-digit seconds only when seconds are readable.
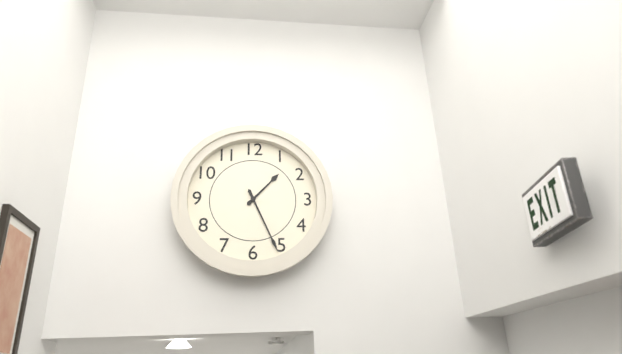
1.26
